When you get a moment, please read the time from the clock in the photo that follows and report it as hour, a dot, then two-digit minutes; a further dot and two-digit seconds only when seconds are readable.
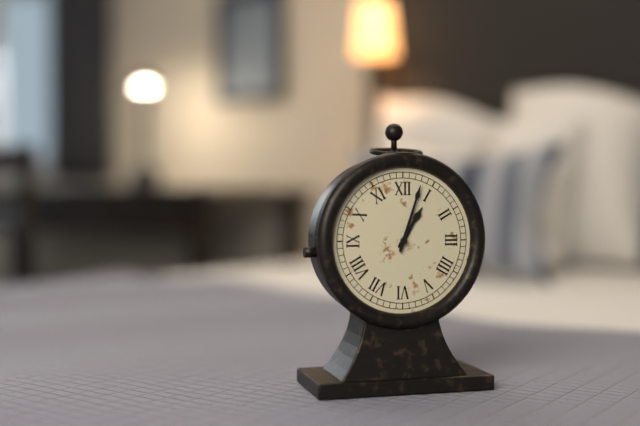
1.03
